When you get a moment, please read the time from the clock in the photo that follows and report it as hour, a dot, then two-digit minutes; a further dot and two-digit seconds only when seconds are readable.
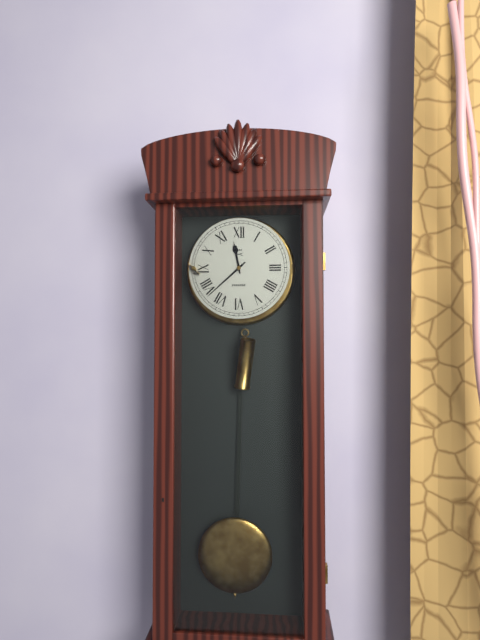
11.38
